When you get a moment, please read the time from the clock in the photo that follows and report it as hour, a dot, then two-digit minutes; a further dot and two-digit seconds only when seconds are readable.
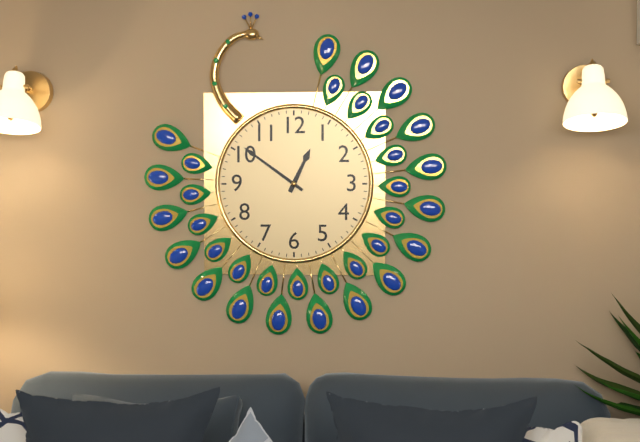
12.51
